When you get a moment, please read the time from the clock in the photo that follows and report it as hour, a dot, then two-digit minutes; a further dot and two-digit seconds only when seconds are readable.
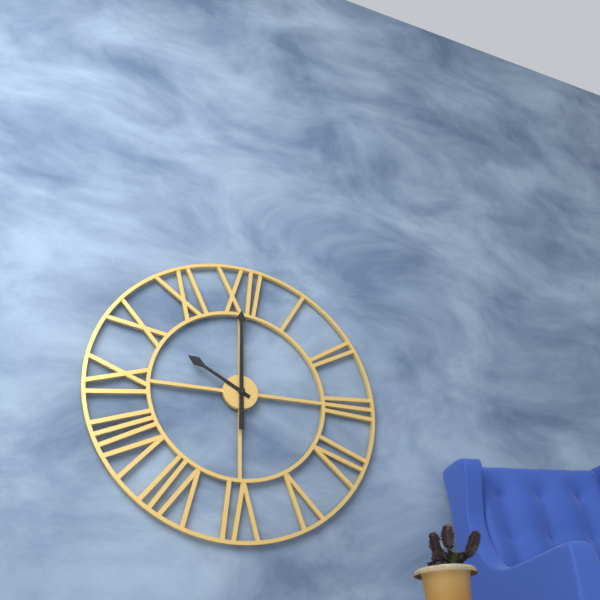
10.00
